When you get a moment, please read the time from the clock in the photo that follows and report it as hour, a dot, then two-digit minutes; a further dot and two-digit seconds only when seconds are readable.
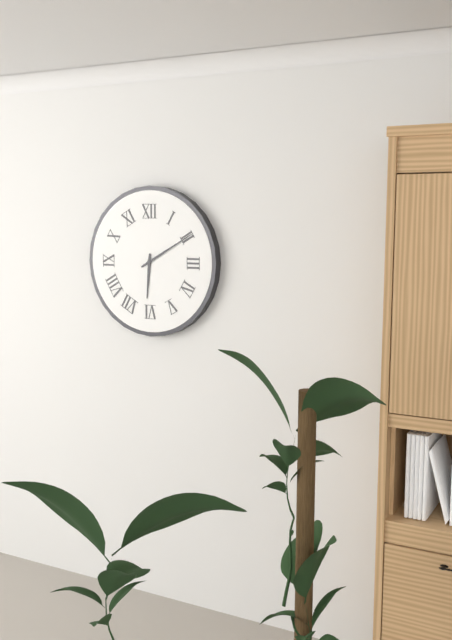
6.10
